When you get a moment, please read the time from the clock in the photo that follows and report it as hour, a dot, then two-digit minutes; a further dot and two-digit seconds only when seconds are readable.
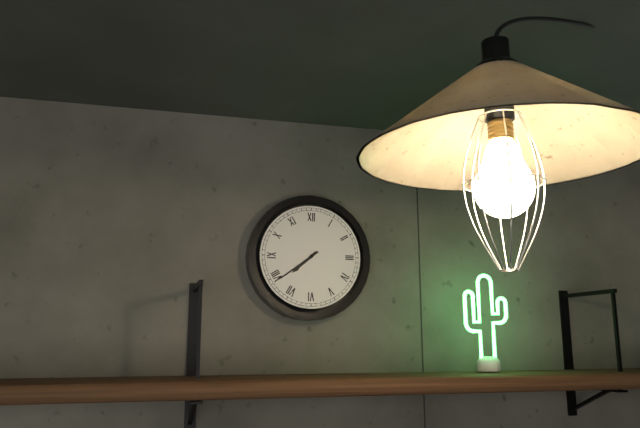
7.39
